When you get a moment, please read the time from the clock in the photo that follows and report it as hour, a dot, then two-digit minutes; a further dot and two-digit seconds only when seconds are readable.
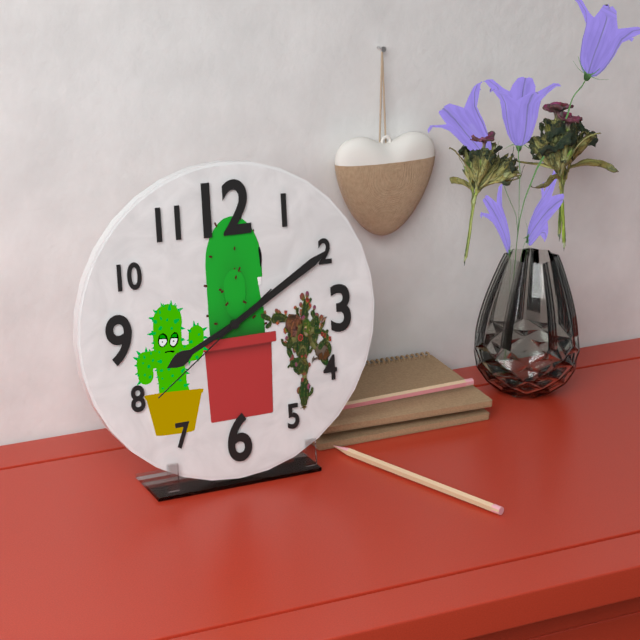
8.10.39
